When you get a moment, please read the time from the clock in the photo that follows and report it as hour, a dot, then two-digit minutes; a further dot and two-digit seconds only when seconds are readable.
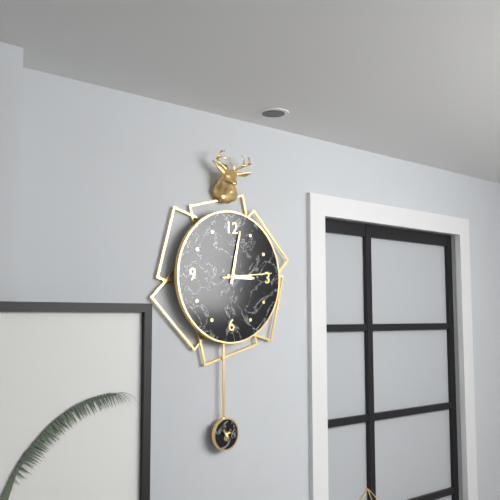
3.02.14
